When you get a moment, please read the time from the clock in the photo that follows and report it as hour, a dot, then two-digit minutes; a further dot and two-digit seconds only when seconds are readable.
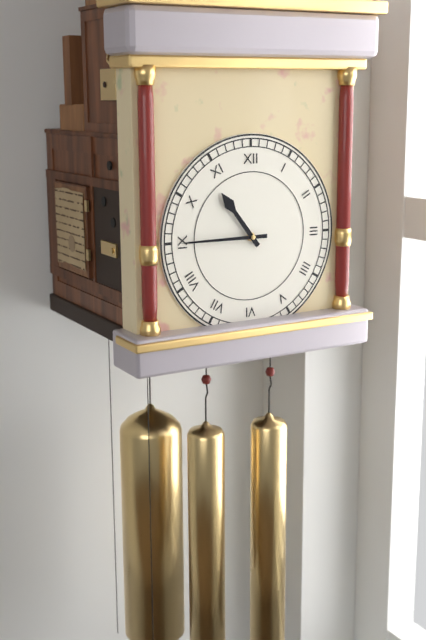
10.45
